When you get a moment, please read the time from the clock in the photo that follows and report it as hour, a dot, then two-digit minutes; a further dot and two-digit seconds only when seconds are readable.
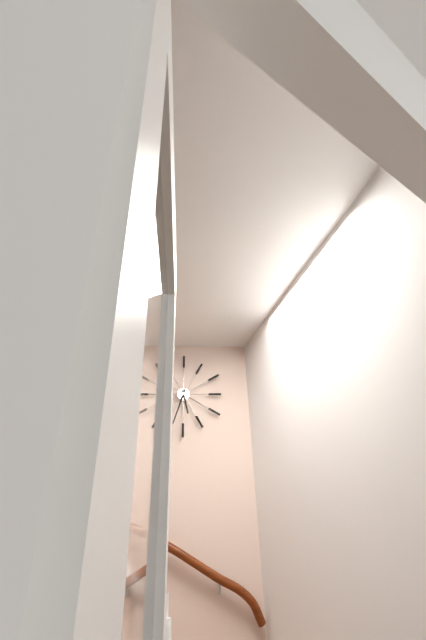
5.33
